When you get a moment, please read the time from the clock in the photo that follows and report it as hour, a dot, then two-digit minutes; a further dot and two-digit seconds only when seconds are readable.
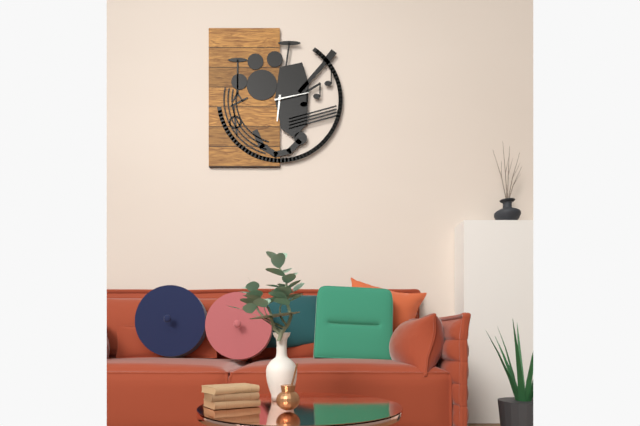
6.13
